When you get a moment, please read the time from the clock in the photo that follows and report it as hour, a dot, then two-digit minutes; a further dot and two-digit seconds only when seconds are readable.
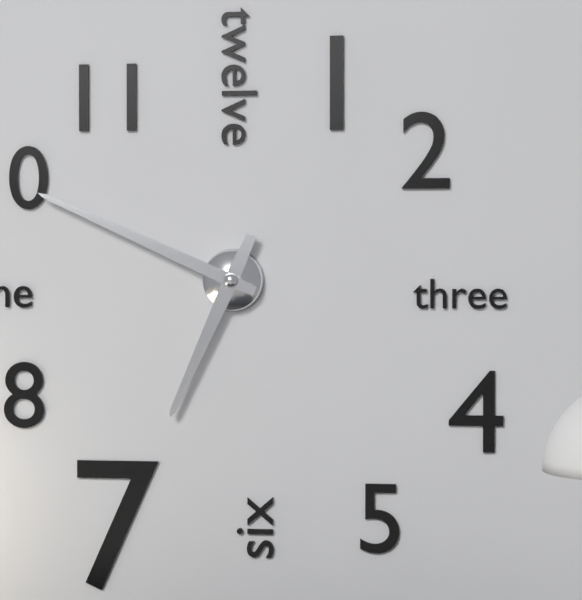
6.49
